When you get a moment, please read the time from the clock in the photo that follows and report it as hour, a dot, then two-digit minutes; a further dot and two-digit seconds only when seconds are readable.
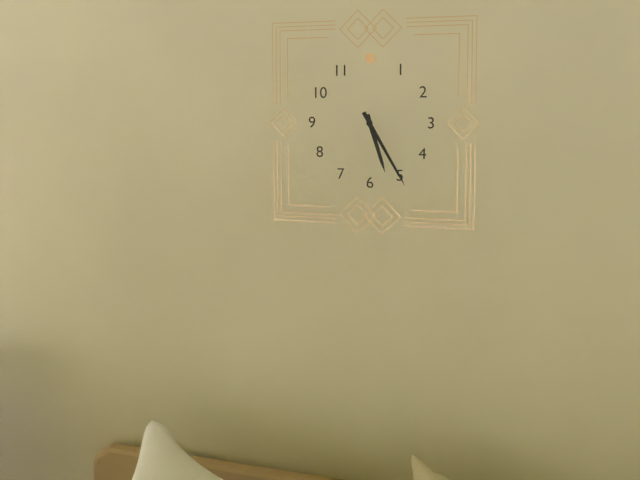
5.25
